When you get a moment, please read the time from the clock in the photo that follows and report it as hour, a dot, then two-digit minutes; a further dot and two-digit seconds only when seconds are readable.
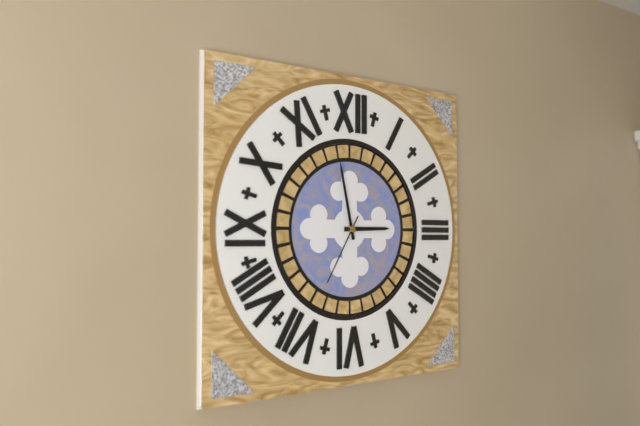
2.58.35
